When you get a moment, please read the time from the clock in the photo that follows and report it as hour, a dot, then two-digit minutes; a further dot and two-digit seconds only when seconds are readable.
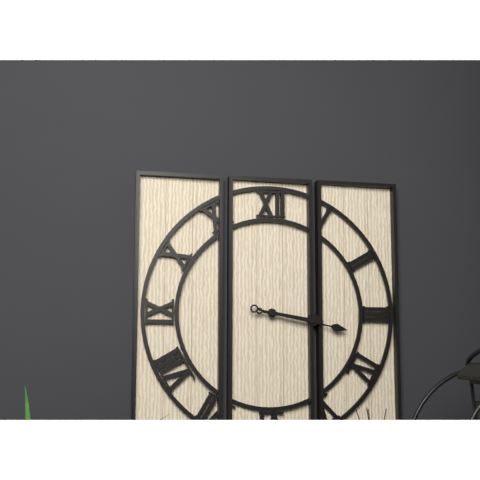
3.17
